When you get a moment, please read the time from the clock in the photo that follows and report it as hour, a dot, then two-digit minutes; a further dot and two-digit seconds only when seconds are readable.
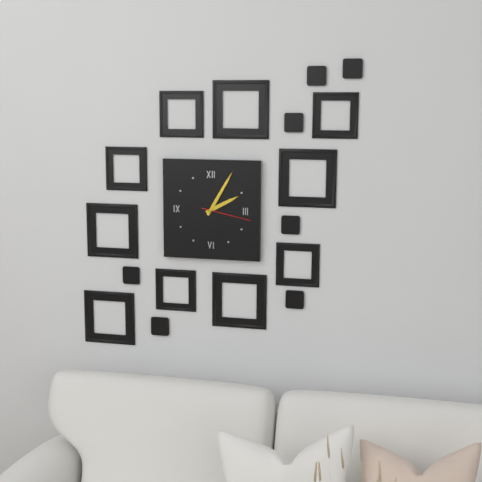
2.05.17
